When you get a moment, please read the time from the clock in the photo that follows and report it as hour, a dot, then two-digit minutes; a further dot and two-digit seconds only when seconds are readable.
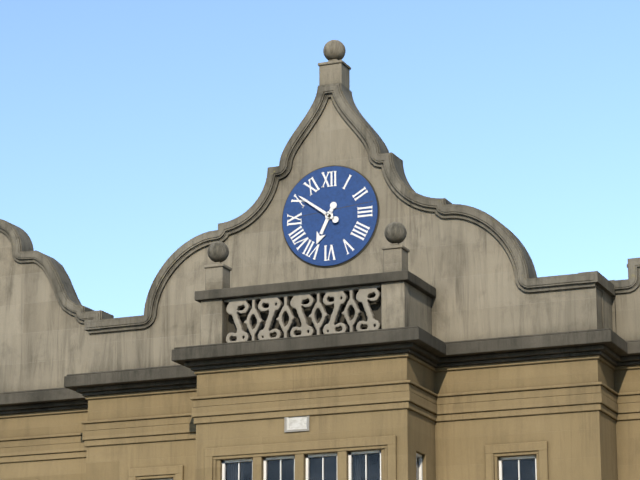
6.51
